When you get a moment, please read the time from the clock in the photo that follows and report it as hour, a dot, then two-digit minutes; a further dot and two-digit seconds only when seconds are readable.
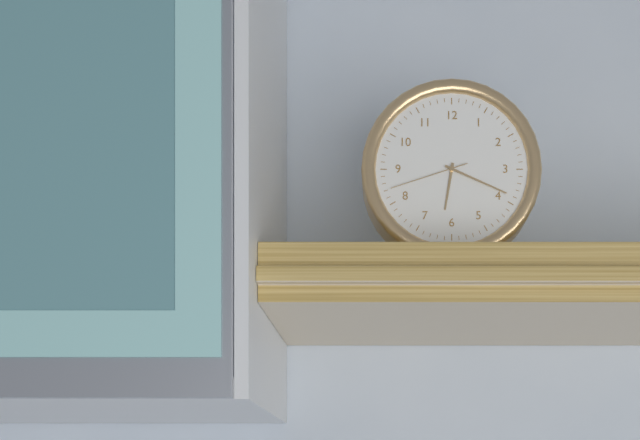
6.19.42
